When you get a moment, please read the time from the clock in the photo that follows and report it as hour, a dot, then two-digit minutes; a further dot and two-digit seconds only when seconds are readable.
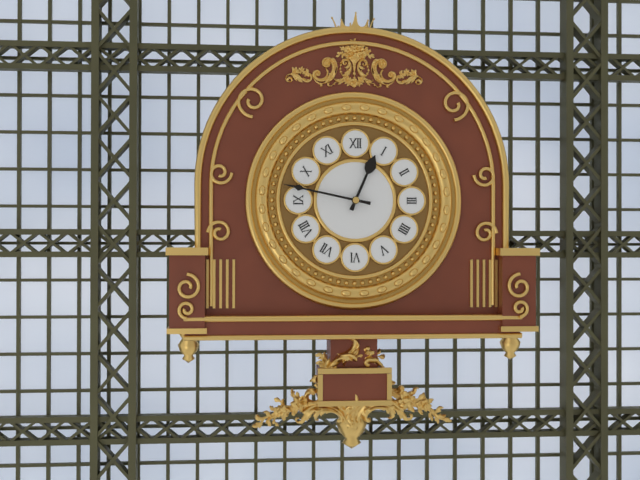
12.47
